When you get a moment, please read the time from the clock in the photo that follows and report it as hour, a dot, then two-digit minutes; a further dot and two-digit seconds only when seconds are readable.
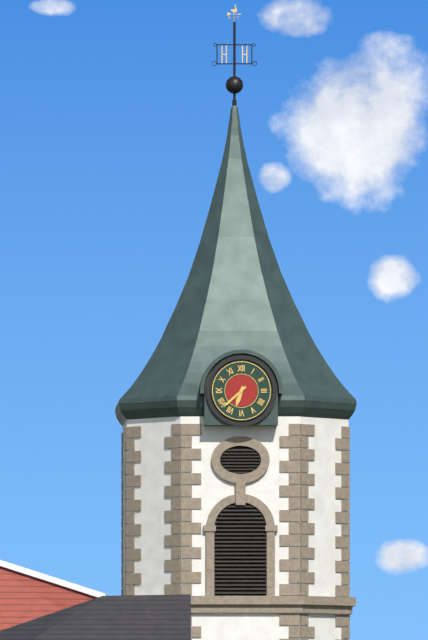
6.38
